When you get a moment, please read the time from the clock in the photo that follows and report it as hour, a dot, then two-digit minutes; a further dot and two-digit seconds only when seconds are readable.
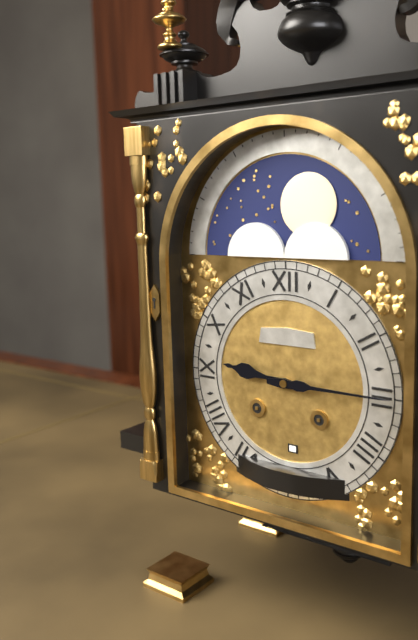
9.15
